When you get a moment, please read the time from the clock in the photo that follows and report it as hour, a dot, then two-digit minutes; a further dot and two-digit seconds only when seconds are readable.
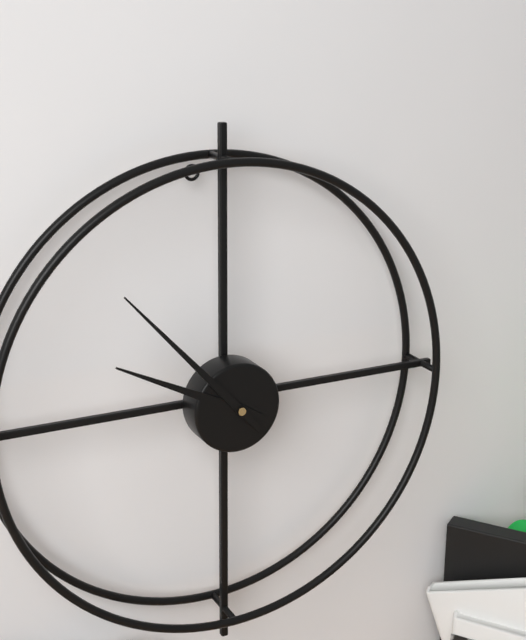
9.53
